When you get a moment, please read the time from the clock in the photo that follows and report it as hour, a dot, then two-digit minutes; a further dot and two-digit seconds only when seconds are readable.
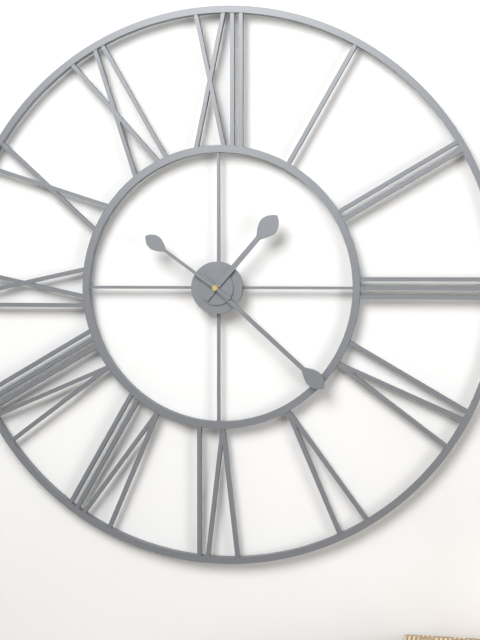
1.22.51
